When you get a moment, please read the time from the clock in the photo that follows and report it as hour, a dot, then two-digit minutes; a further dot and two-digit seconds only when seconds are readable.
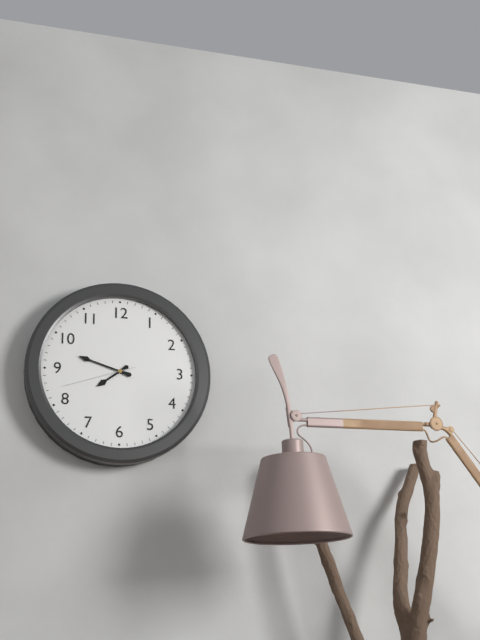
7.48.42
